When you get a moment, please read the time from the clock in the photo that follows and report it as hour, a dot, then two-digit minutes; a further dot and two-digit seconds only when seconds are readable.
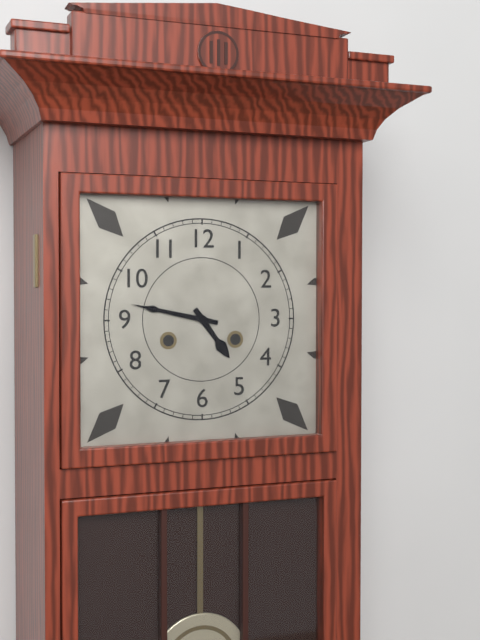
4.47
